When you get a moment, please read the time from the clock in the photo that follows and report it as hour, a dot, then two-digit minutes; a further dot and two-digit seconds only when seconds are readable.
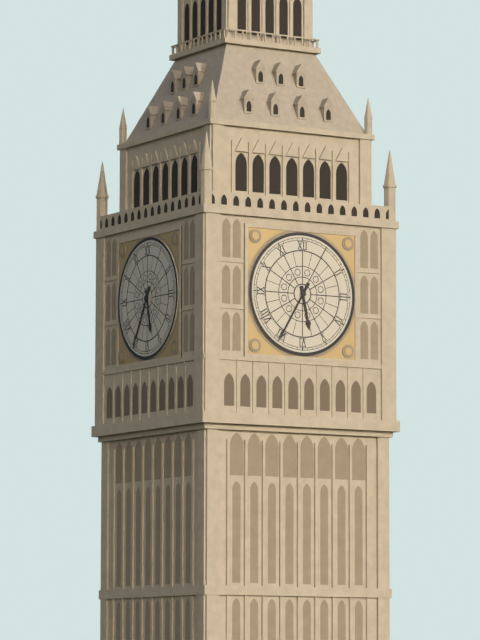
5.35
